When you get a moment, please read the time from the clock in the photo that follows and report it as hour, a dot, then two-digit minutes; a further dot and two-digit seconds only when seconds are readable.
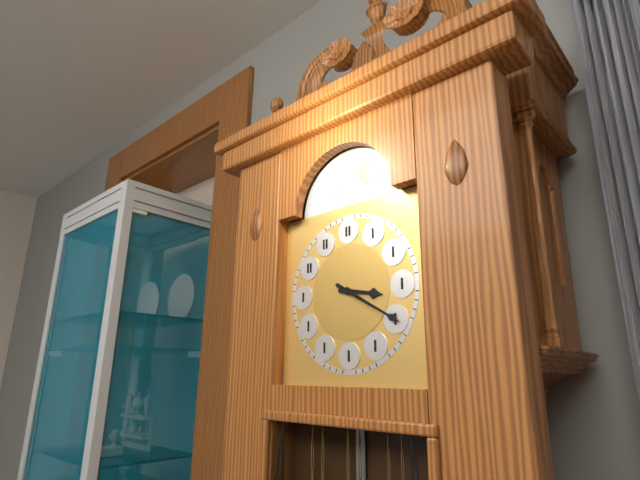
3.20
